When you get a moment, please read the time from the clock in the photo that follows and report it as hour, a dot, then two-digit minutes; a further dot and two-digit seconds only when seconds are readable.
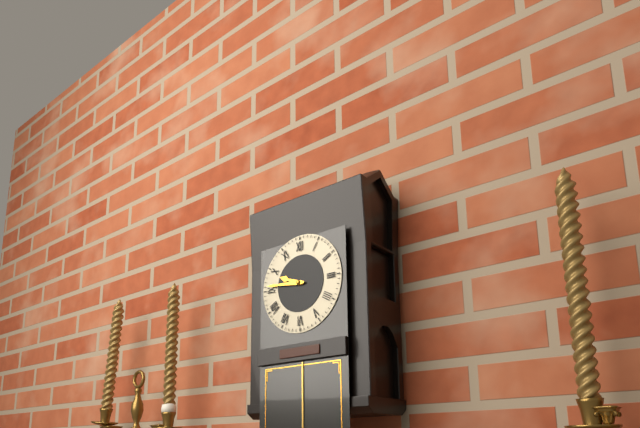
9.46
